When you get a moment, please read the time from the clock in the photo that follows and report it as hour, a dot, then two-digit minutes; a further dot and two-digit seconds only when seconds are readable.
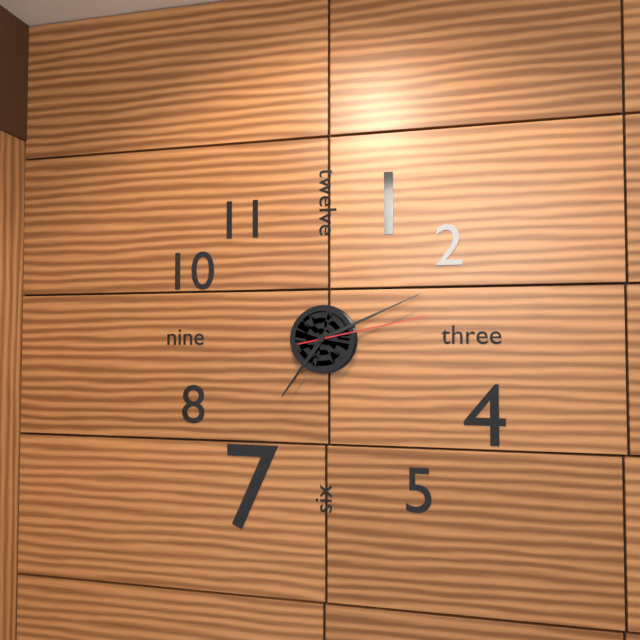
7.11.13
